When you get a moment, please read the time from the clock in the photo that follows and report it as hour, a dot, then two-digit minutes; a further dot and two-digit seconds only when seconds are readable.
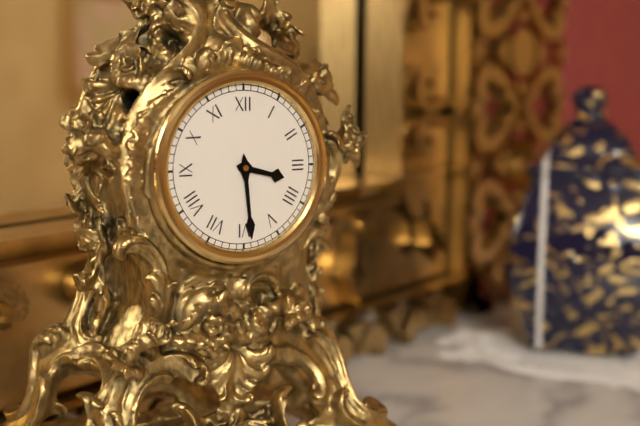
3.29
